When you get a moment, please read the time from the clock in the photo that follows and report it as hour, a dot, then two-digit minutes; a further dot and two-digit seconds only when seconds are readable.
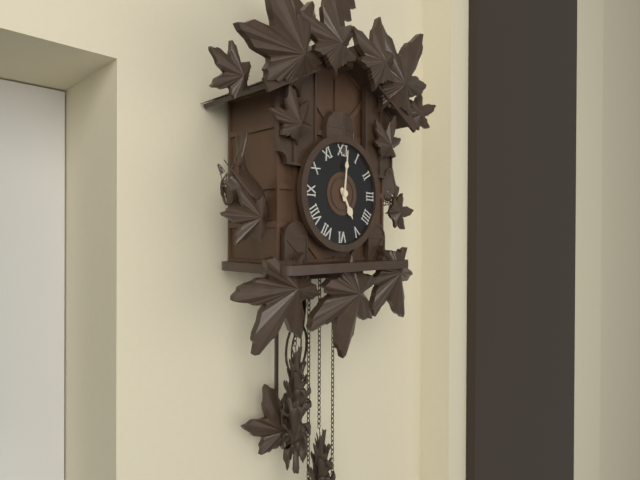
5.01
